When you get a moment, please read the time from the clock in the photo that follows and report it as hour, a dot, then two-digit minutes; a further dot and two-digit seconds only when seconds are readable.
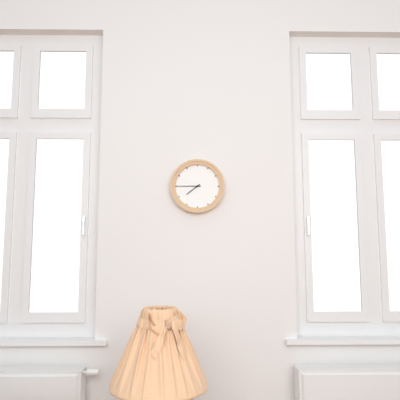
7.45
